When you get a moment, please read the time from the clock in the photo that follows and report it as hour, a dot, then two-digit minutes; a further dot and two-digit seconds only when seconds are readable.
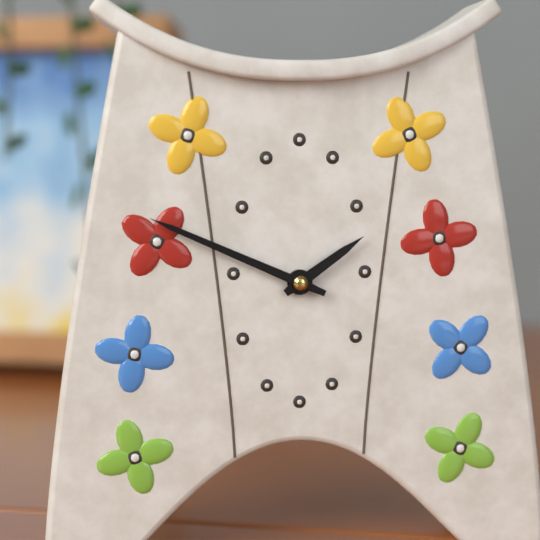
1.49
